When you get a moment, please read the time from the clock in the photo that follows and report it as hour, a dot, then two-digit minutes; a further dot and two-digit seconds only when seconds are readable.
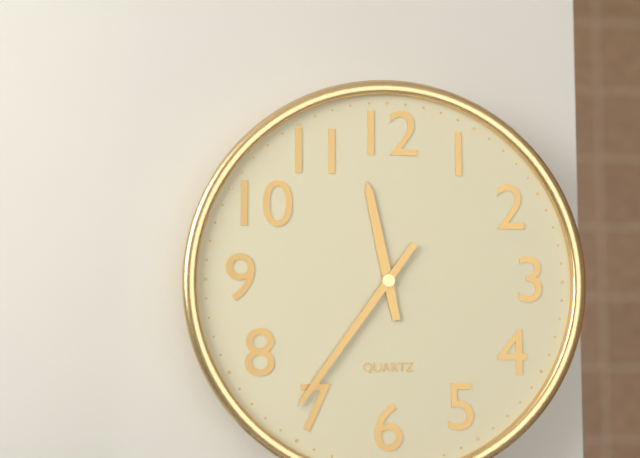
11.36
